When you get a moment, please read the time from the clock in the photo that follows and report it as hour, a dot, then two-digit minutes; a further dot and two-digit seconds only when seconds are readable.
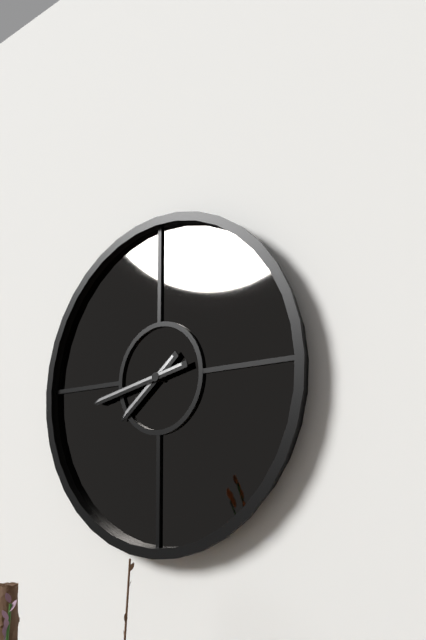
7.43
